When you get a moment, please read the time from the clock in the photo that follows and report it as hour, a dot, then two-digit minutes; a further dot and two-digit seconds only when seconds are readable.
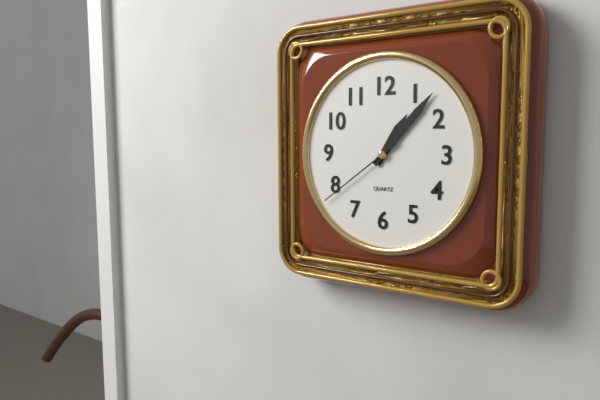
1.07.39
